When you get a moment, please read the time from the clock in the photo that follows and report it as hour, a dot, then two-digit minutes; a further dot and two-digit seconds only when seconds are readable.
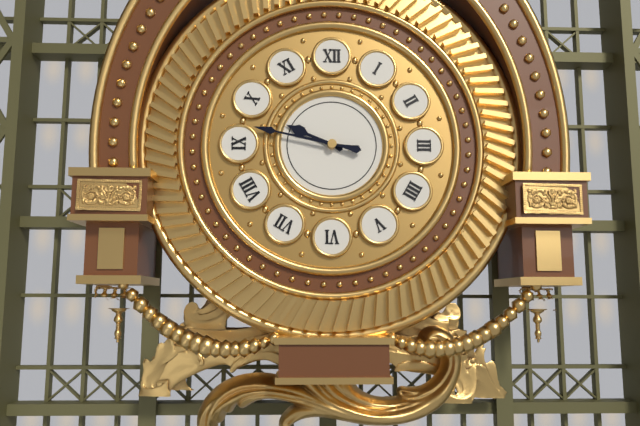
9.47
